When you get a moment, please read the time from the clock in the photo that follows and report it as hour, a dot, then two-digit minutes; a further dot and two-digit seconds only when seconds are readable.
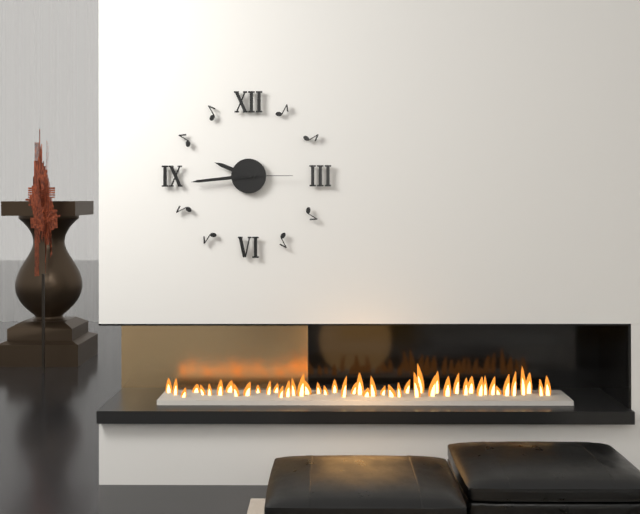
9.44.15
